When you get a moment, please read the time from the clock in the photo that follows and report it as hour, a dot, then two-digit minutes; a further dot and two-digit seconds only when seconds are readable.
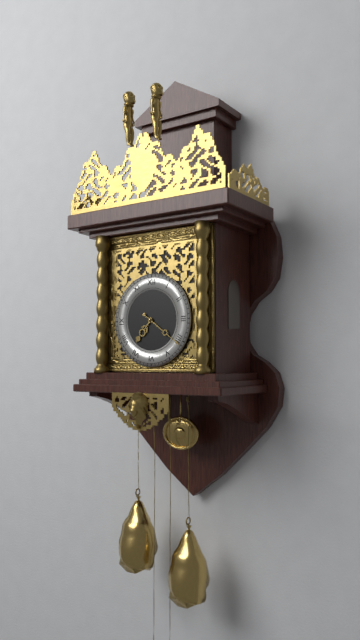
7.21
